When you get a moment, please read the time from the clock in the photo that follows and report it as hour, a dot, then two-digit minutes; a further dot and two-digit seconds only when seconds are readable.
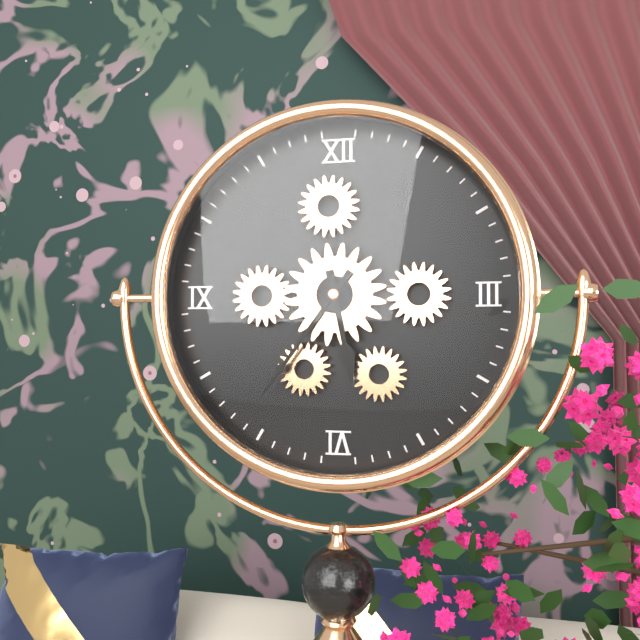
5.36
